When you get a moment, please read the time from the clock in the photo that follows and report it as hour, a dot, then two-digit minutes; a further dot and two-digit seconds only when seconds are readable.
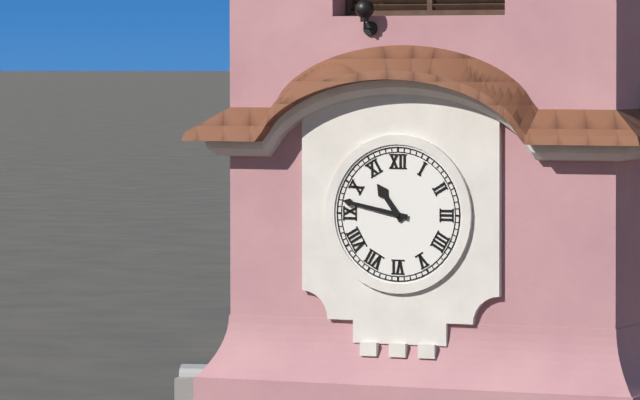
10.47
